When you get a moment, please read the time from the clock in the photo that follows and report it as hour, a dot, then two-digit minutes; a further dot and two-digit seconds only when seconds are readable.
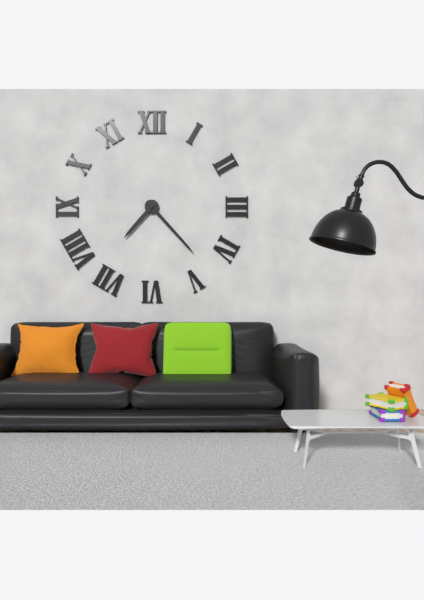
7.23
